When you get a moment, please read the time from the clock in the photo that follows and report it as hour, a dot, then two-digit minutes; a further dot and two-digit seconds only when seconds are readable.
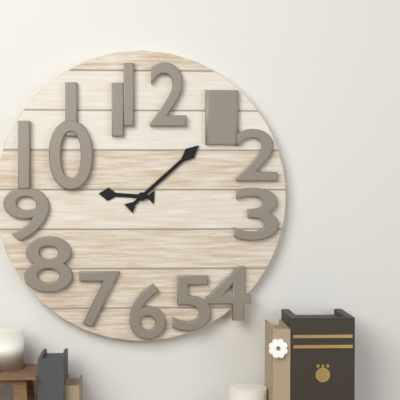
9.08
